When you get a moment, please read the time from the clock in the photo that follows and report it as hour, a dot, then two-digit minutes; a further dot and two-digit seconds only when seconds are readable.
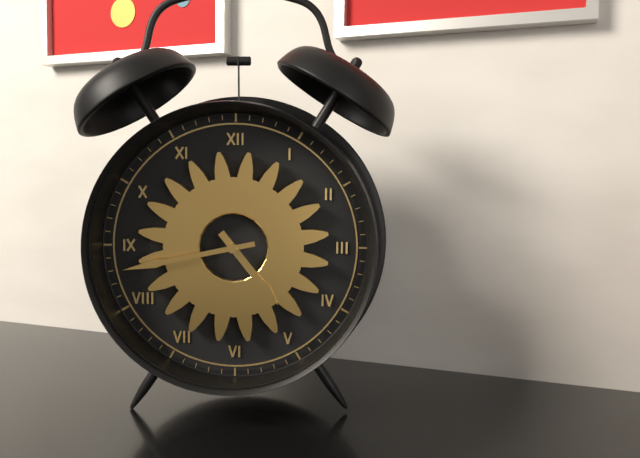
4.43
